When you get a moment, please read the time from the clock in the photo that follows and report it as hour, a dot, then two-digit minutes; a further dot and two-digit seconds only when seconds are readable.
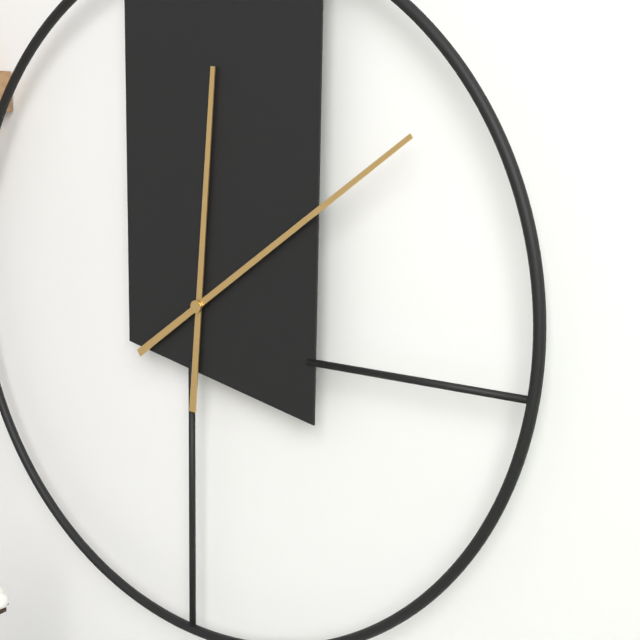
12.09
